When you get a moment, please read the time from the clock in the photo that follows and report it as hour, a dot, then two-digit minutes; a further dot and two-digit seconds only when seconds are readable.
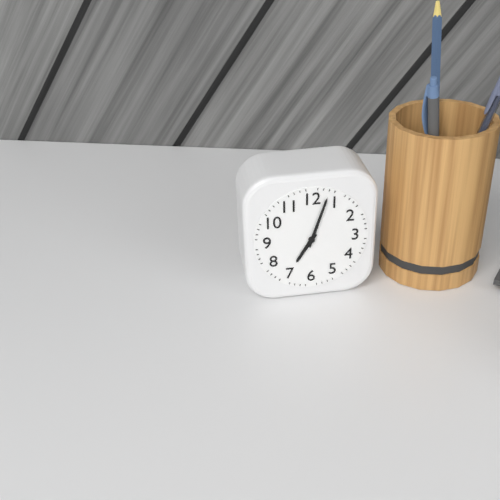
7.03
